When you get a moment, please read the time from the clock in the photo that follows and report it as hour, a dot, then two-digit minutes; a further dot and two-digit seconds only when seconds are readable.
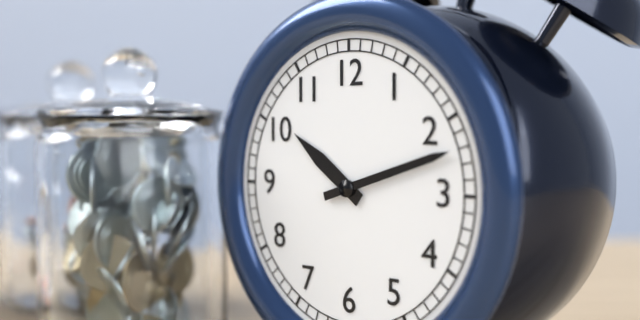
10.12
